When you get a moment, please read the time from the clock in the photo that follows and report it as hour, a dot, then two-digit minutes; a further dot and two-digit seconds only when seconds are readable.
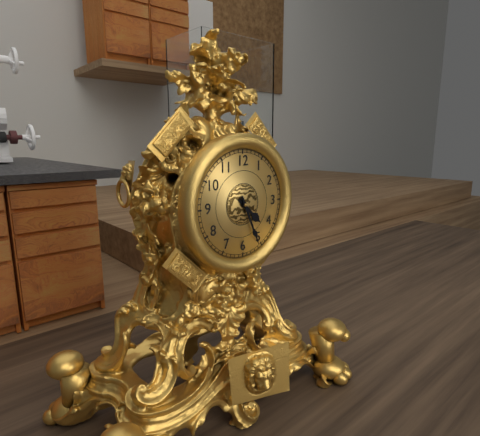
4.26
